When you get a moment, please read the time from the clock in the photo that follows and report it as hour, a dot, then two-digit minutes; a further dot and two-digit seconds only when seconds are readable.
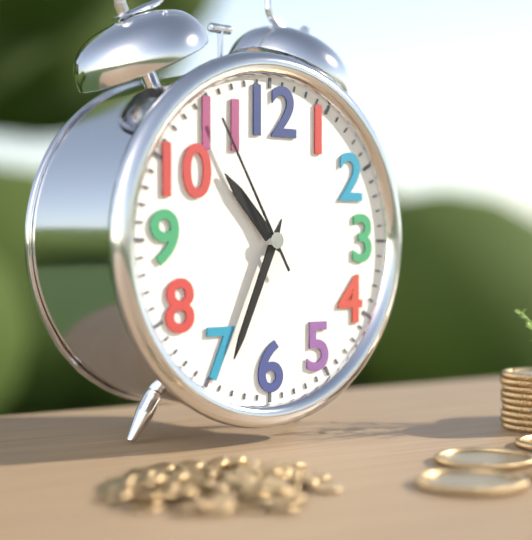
10.34.55
